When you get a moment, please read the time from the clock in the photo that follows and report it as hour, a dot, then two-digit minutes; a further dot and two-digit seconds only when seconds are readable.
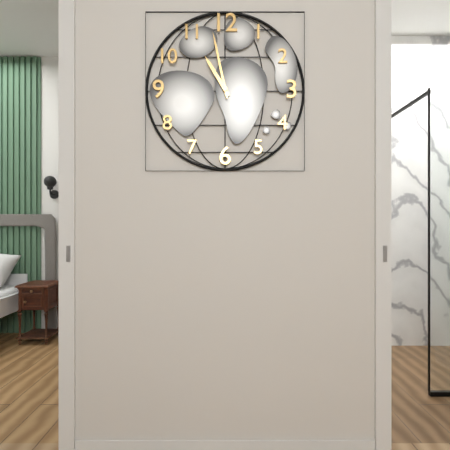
10.58
